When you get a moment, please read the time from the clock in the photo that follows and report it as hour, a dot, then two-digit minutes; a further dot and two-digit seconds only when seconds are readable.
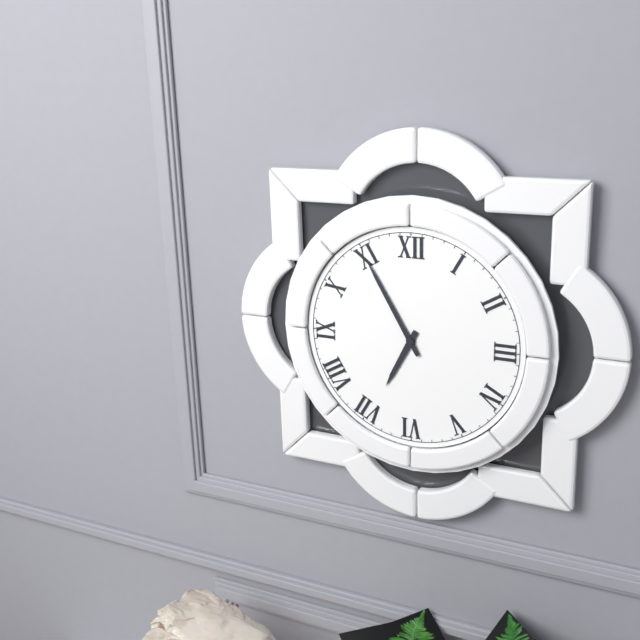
6.55
